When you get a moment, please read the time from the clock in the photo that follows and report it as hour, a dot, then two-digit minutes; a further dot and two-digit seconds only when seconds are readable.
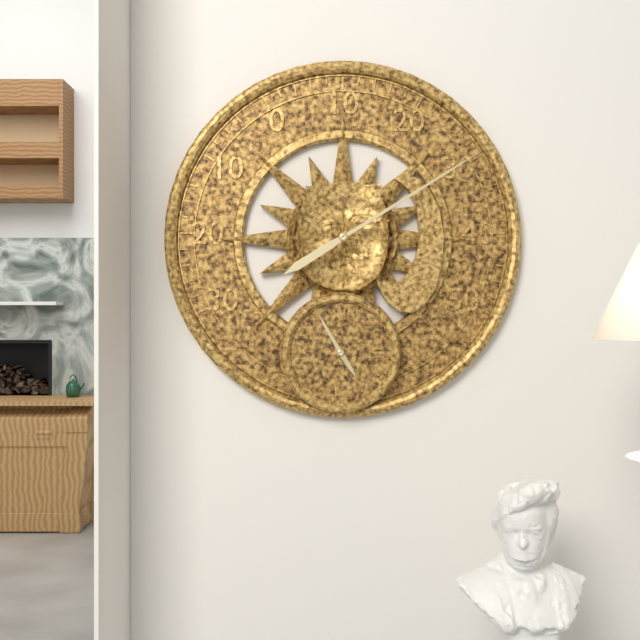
4.55
